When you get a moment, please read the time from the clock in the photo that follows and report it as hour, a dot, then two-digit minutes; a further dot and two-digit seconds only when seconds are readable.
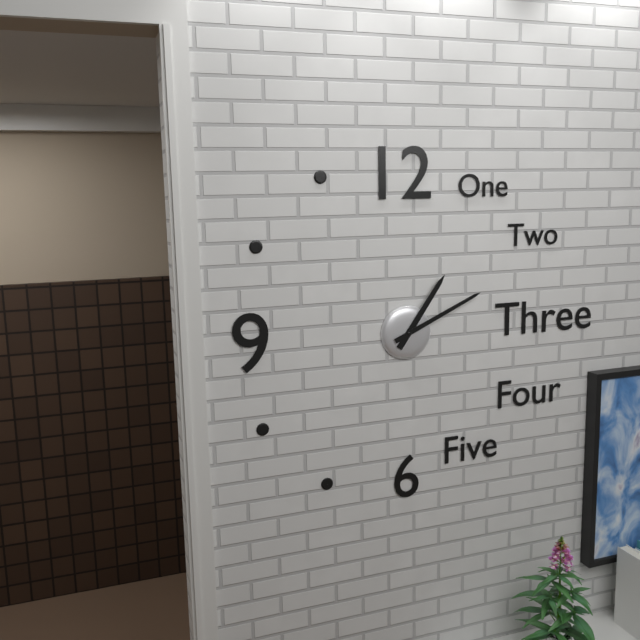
1.11
